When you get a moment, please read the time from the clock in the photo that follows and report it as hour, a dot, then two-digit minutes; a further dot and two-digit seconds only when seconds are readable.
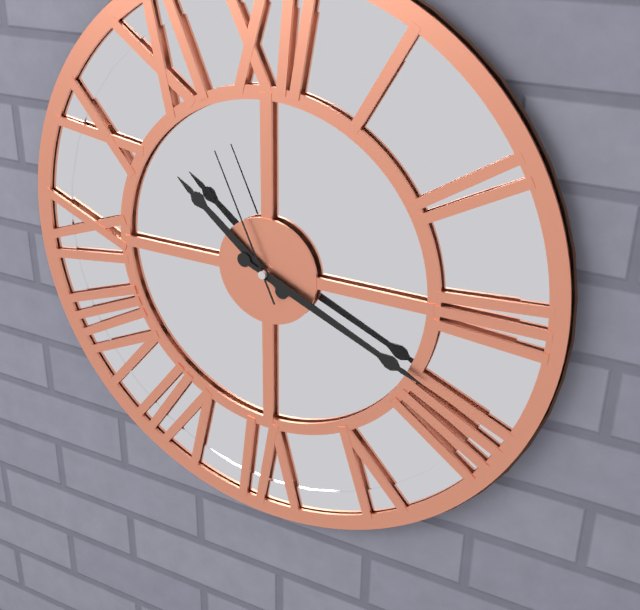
10.19.56
